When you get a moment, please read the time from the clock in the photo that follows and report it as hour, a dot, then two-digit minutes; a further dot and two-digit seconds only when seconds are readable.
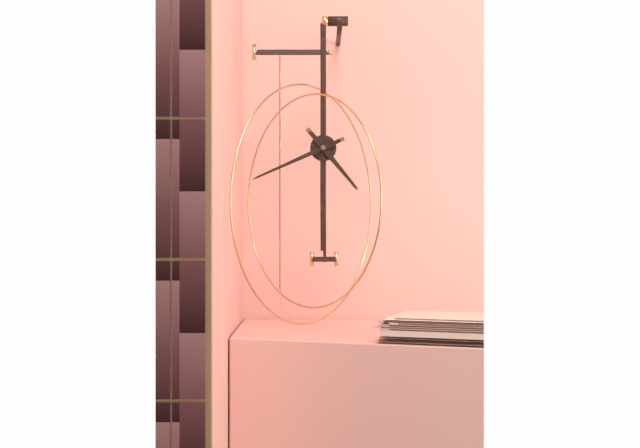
4.41
